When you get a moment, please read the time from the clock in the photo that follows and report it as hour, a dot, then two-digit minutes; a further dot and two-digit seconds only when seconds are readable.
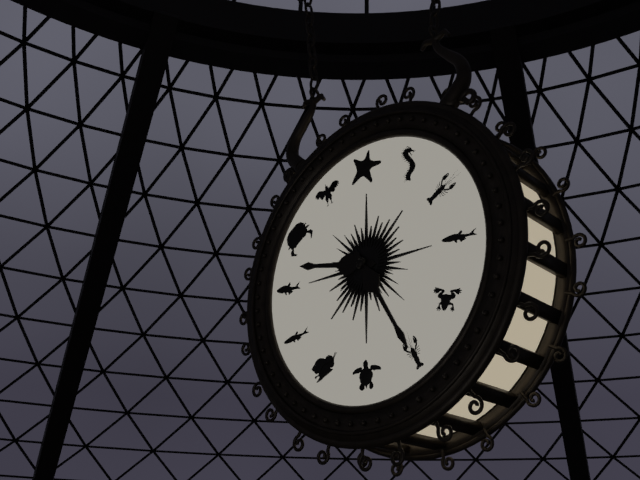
9.25
